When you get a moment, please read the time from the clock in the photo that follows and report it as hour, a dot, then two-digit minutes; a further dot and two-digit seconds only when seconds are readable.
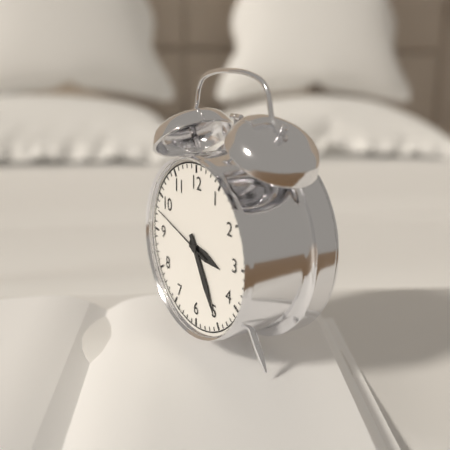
3.25.48
